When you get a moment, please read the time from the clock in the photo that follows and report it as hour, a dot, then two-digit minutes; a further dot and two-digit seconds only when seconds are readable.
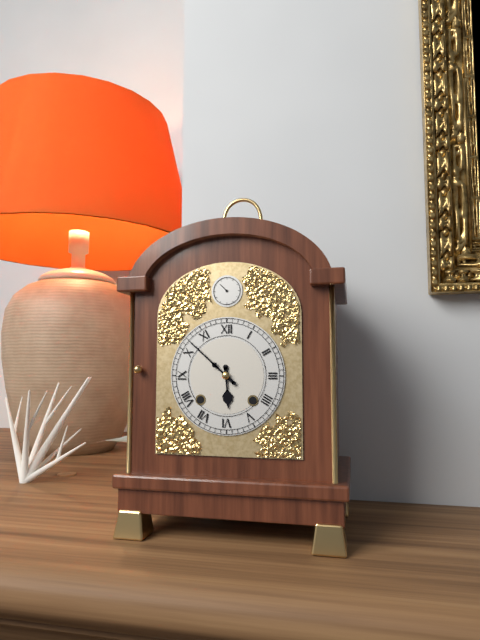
5.52
